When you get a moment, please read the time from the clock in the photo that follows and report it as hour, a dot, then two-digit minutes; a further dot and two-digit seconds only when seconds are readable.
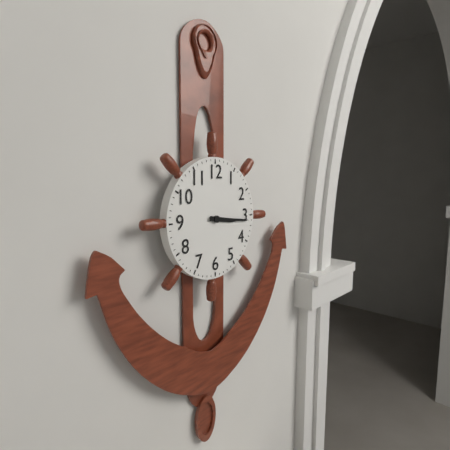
3.16
